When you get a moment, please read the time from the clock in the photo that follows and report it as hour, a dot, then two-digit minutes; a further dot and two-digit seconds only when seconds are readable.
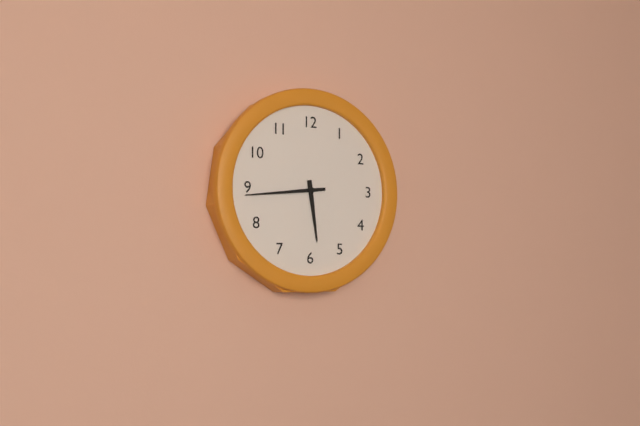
5.44
